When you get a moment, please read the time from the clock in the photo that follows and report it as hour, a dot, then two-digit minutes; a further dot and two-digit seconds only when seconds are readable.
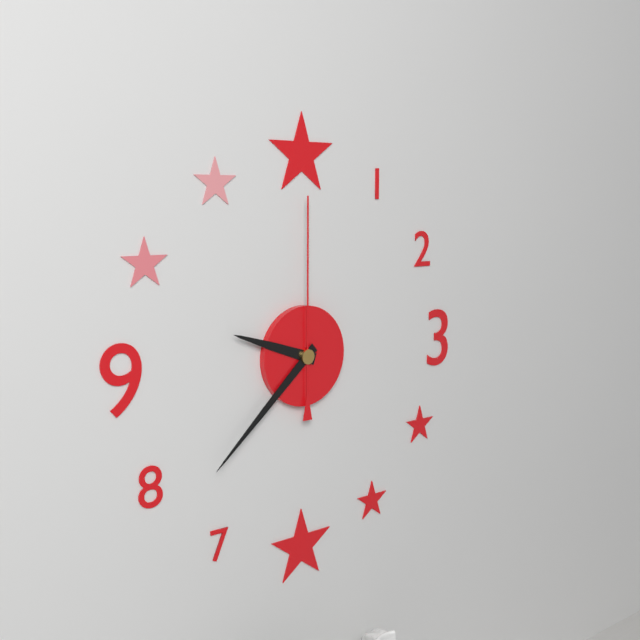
9.38.00
